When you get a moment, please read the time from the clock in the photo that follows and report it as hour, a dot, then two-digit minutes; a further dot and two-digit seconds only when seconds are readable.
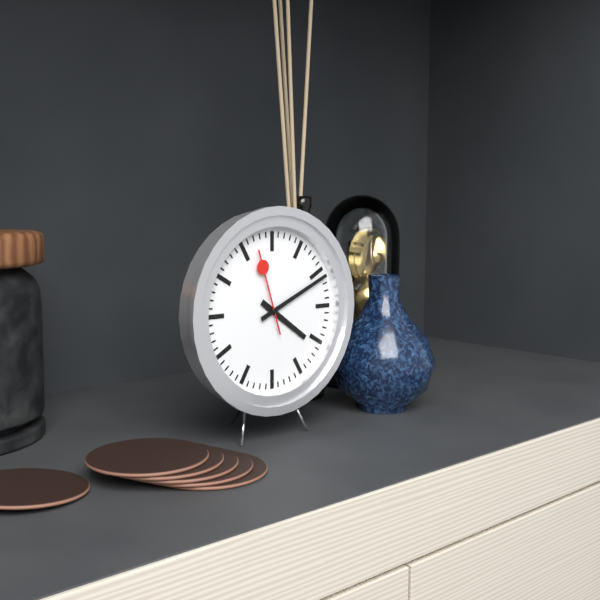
4.11.57
